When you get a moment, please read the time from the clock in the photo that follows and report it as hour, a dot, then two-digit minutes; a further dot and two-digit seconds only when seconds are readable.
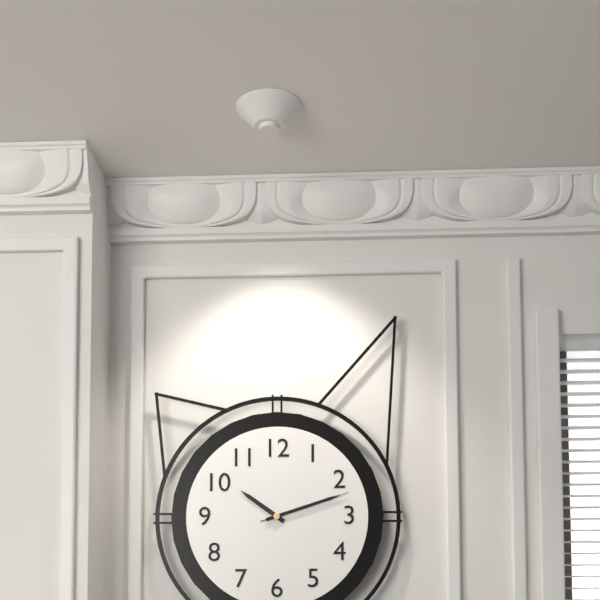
10.12.12
